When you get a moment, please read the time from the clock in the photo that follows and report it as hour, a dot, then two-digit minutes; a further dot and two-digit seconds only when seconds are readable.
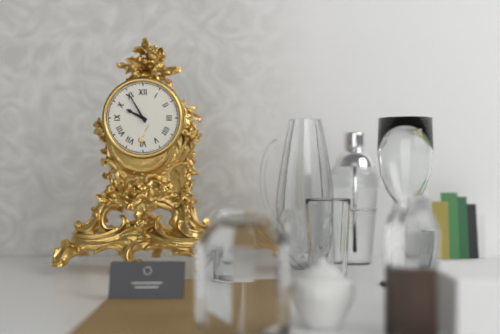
9.55
